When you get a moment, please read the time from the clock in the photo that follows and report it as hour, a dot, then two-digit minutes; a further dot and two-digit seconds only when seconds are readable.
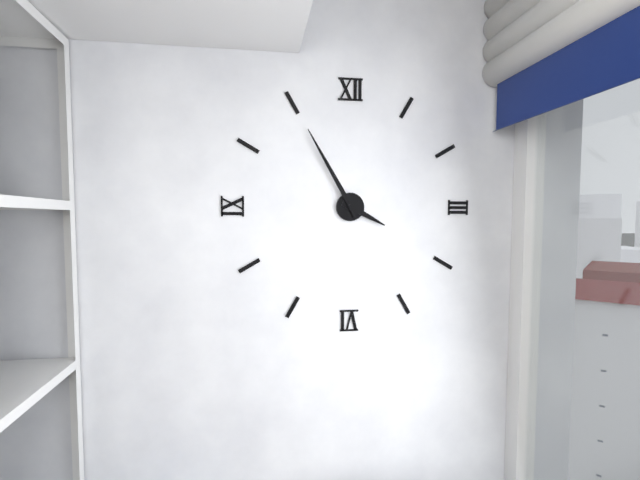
3.55
